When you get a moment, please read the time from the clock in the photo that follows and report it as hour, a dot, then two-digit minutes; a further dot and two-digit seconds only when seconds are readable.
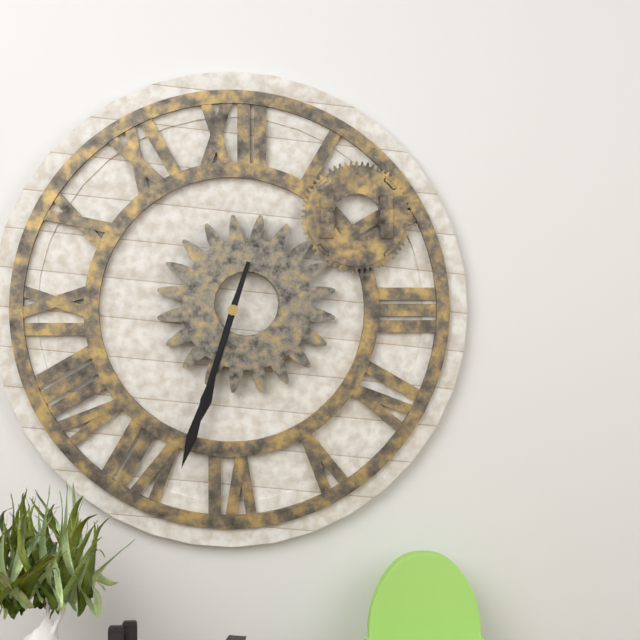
6.33
